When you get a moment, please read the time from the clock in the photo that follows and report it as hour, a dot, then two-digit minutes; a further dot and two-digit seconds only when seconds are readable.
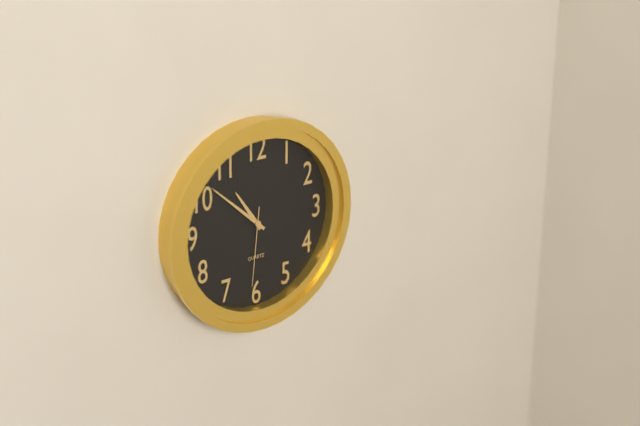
10.52.31
